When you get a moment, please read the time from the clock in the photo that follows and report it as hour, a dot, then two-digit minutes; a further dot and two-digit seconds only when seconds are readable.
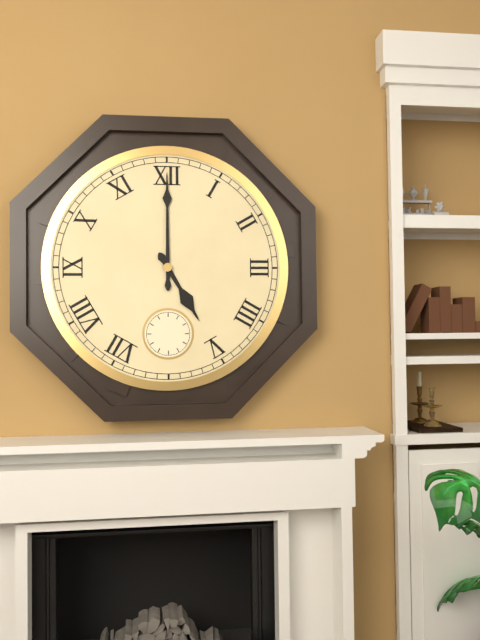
5.00
